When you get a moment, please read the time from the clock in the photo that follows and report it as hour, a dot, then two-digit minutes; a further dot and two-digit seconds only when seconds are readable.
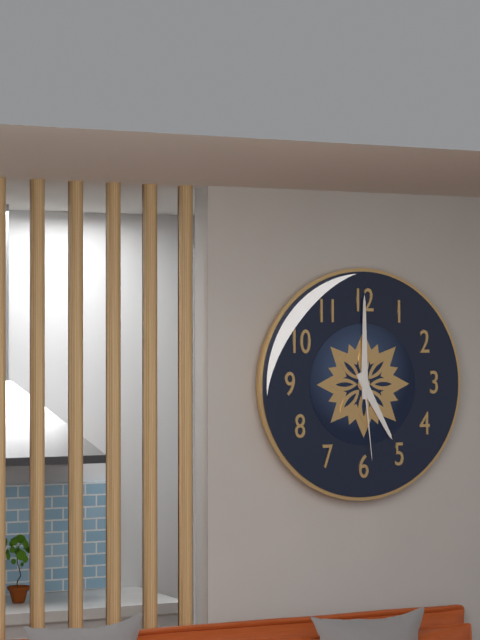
5.00.29
